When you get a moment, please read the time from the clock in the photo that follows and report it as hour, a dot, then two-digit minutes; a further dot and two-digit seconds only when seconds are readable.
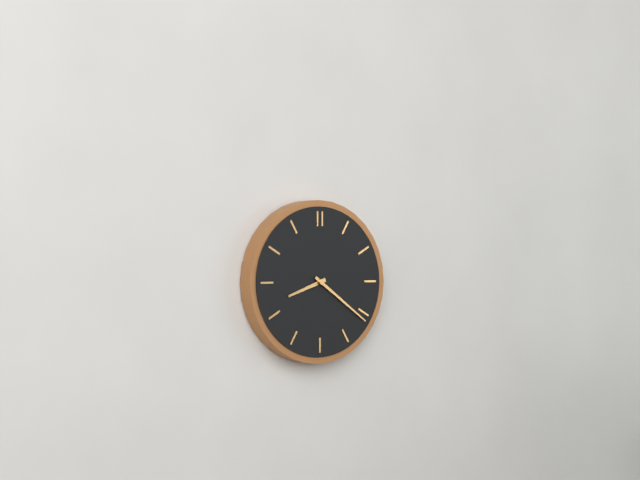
8.21
